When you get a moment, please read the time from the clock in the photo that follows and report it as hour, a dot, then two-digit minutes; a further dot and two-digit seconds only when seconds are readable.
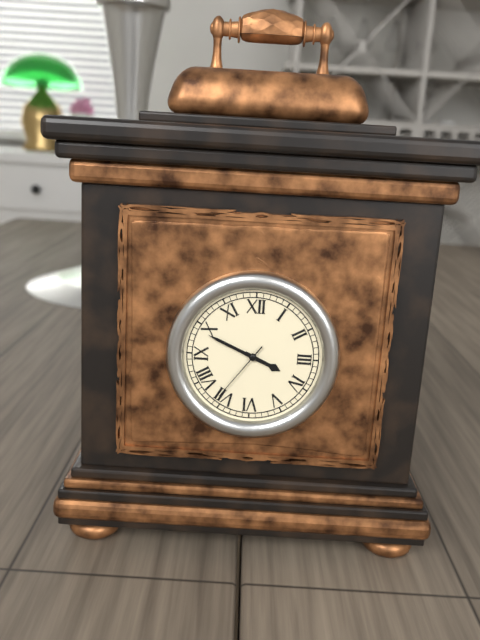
3.49.36
